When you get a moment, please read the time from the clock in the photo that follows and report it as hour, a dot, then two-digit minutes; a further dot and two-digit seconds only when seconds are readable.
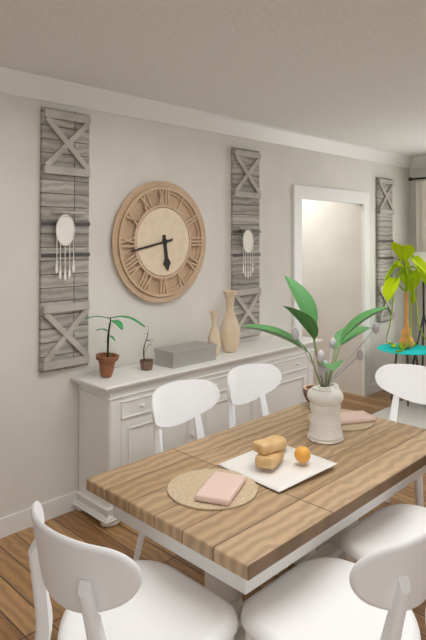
5.43
